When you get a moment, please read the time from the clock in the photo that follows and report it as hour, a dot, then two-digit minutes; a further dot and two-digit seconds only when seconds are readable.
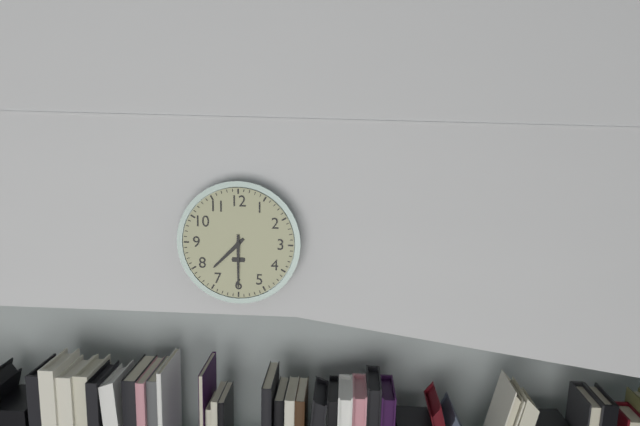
7.30
